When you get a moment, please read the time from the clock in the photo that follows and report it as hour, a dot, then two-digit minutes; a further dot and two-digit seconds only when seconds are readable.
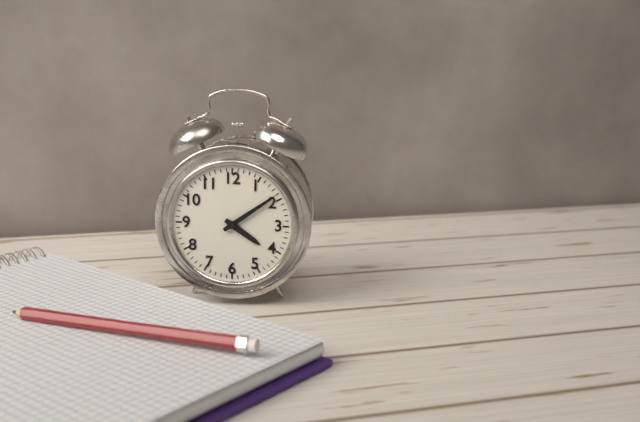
4.09
